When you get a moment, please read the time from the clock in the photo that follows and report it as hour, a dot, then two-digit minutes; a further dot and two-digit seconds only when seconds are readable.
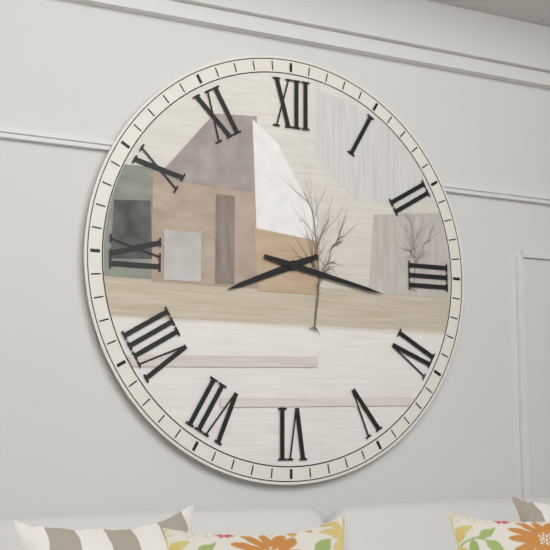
8.17
